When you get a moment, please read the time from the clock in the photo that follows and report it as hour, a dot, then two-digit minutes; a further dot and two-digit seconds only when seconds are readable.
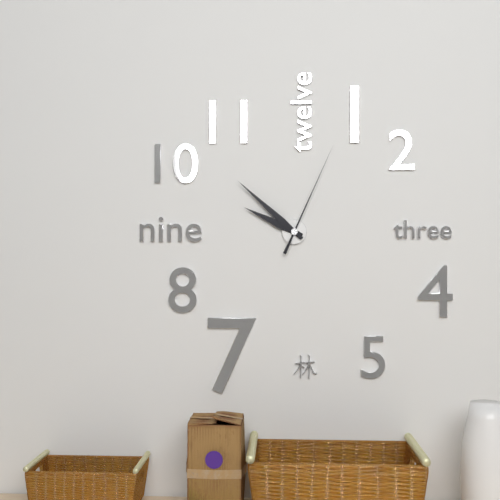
9.52.04
